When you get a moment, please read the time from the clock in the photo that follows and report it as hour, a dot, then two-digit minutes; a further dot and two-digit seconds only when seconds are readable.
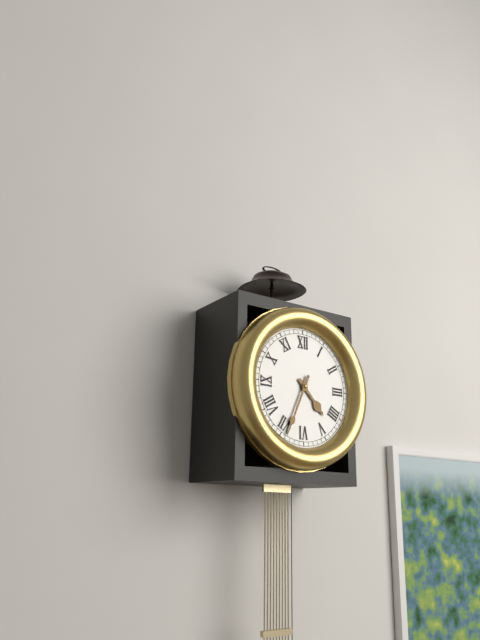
4.34
